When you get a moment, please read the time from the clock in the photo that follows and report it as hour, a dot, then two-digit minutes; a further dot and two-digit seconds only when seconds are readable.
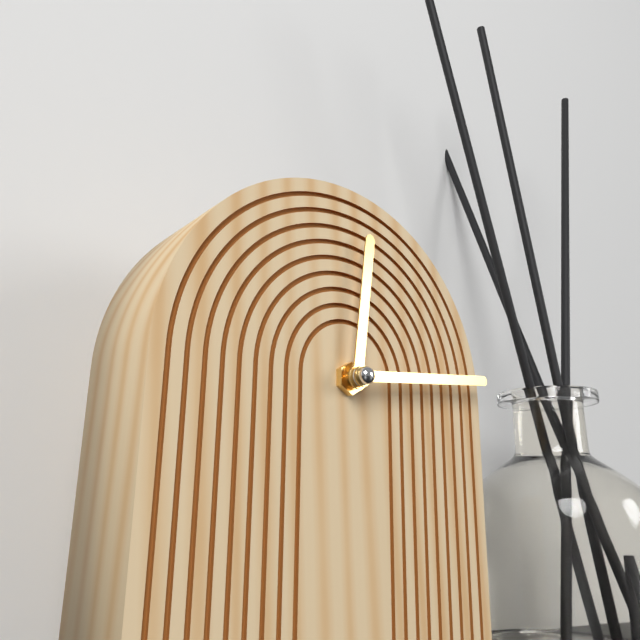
12.14
